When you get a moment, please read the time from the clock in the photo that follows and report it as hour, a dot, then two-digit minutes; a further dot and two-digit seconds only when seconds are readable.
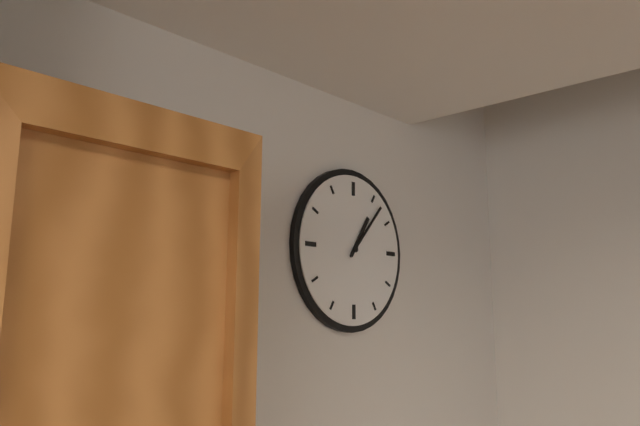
1.07
